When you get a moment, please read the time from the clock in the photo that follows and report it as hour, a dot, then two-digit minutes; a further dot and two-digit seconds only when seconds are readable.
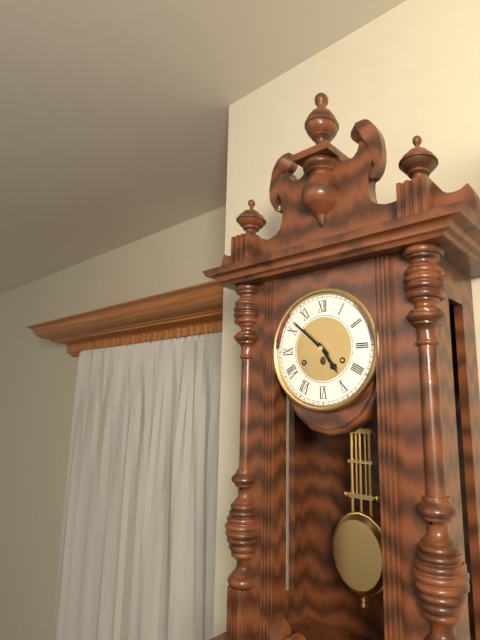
4.52
